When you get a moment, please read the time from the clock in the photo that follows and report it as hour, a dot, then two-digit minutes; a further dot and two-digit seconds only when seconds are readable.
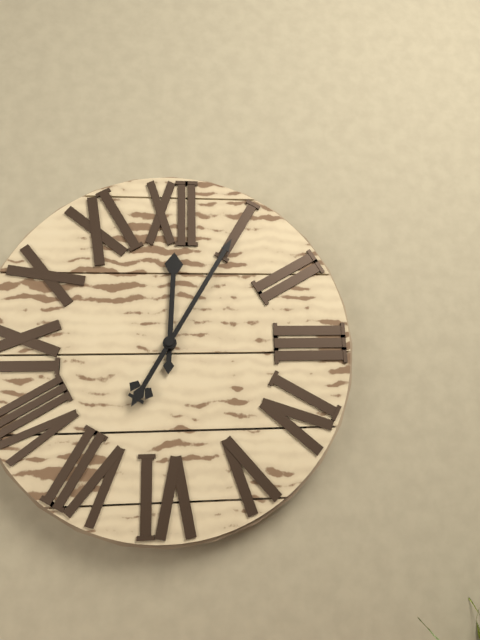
12.05
